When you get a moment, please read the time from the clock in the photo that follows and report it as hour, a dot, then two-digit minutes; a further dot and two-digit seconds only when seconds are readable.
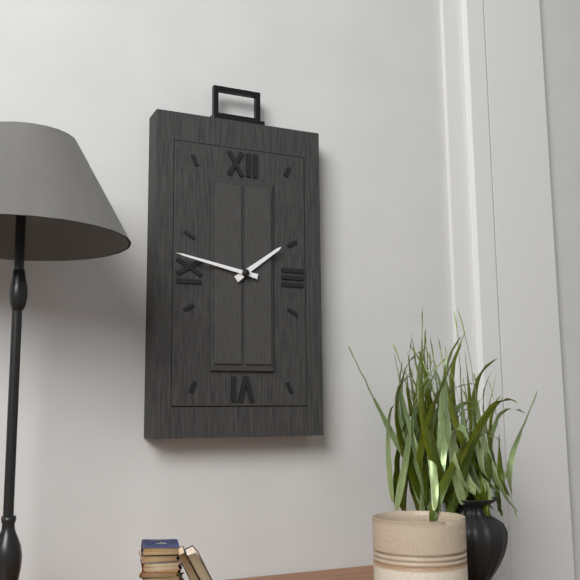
1.47
